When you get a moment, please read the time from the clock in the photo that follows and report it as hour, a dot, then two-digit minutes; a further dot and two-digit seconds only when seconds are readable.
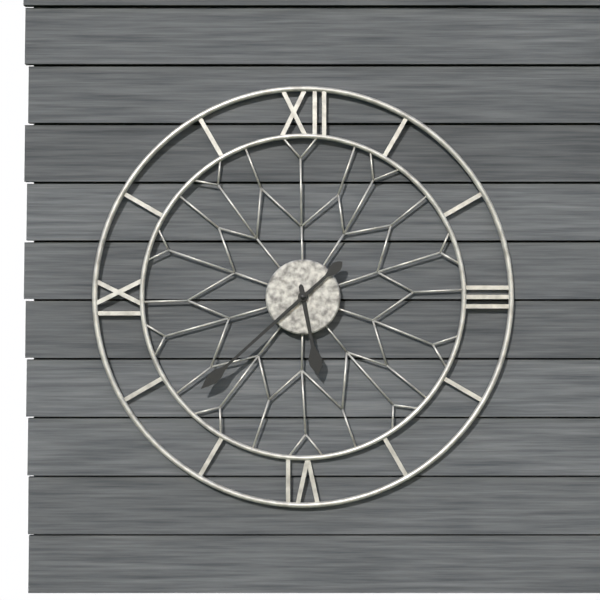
5.38
